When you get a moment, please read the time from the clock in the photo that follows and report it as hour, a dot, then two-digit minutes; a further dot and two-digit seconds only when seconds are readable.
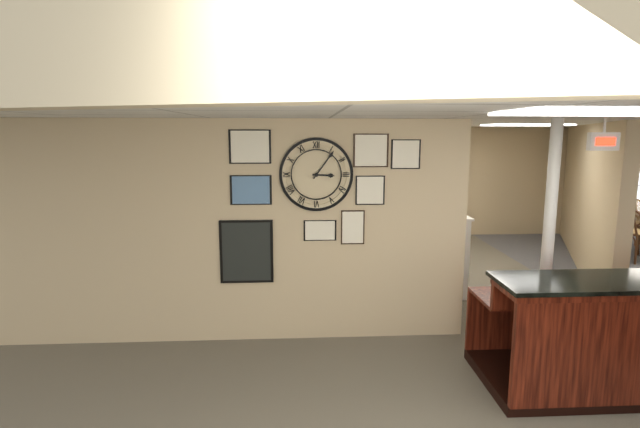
3.06
